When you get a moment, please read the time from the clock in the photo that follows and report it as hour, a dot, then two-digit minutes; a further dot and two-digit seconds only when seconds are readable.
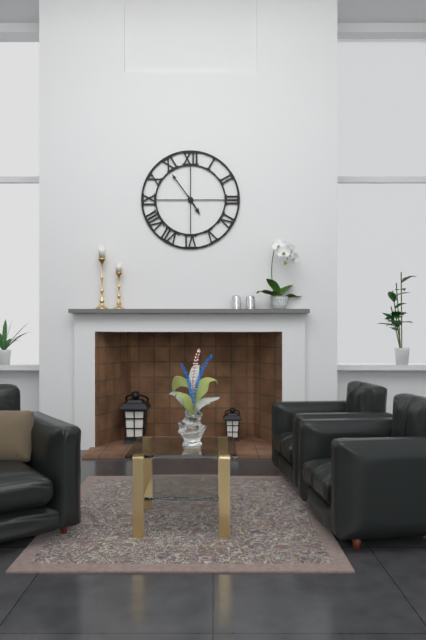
4.54
